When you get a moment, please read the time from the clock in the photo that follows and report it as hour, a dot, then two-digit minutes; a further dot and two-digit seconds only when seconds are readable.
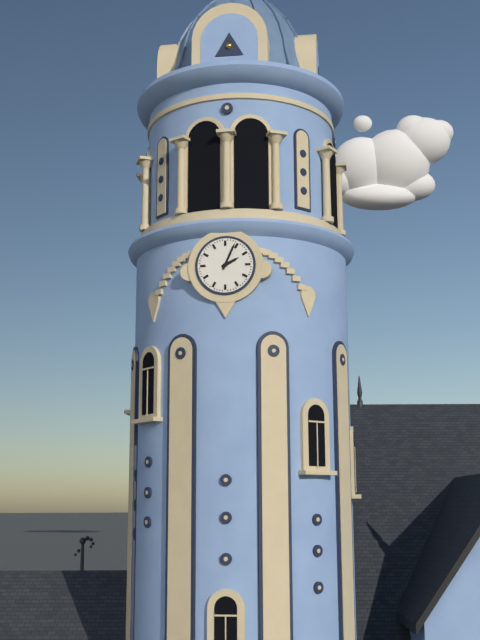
2.04
